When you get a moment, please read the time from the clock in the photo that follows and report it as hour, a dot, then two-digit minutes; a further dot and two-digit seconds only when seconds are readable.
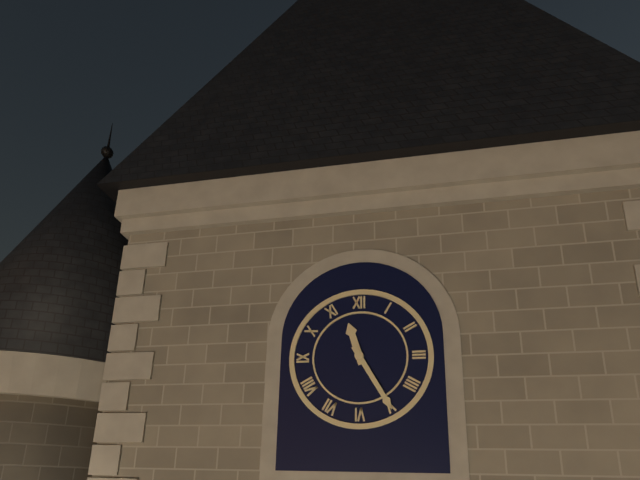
11.25
